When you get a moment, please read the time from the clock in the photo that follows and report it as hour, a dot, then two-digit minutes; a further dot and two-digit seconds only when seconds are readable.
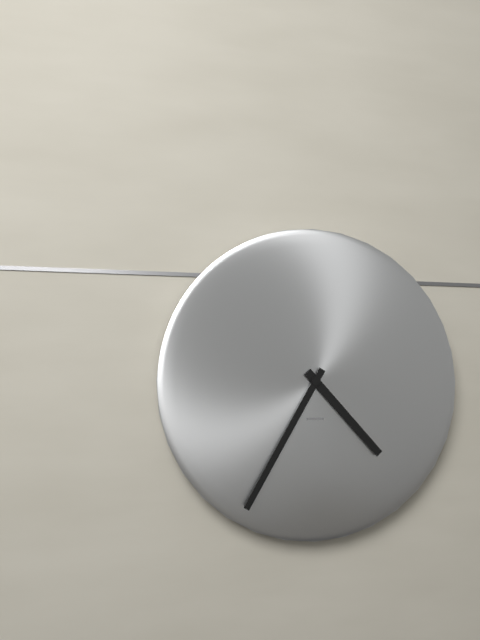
4.35
